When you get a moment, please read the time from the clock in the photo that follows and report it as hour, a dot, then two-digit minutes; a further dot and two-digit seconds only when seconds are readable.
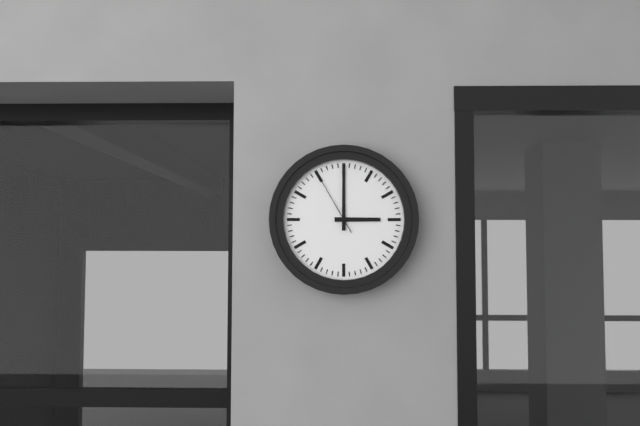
3.00.55
